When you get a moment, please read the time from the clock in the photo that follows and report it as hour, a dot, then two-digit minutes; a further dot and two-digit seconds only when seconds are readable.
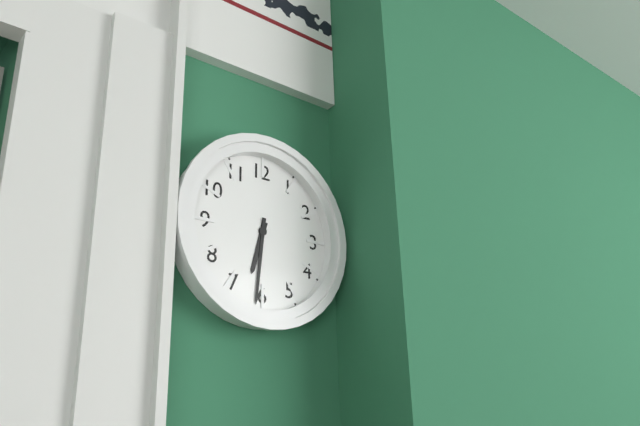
6.31
